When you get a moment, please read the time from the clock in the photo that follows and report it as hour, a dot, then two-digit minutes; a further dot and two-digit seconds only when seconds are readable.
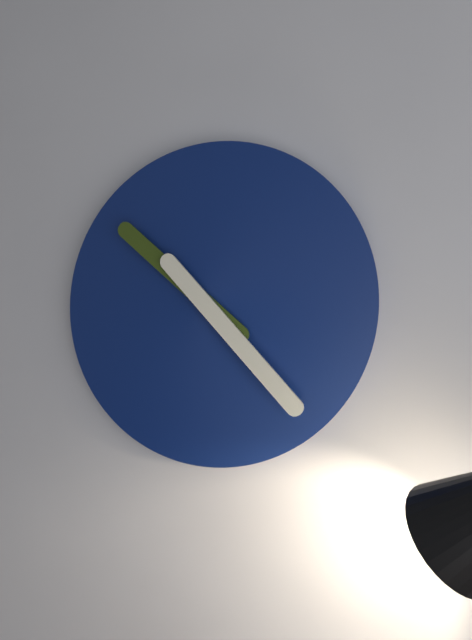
10.23
